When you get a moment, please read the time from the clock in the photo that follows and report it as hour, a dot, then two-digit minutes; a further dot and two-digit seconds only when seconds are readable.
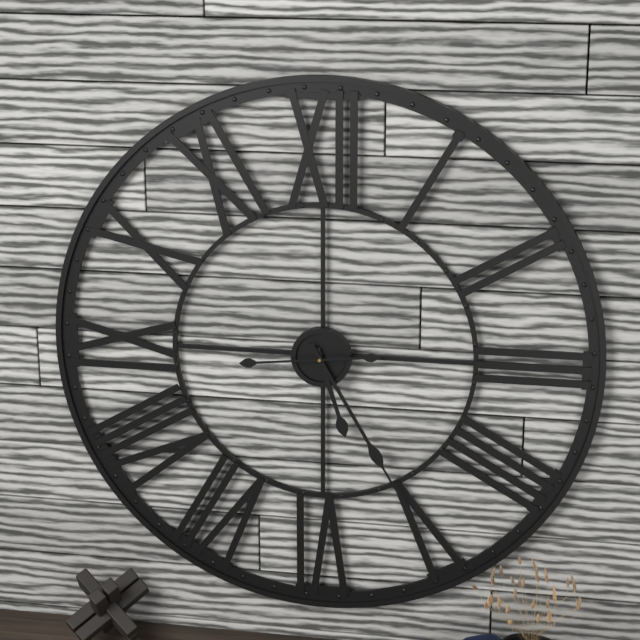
5.25.44
